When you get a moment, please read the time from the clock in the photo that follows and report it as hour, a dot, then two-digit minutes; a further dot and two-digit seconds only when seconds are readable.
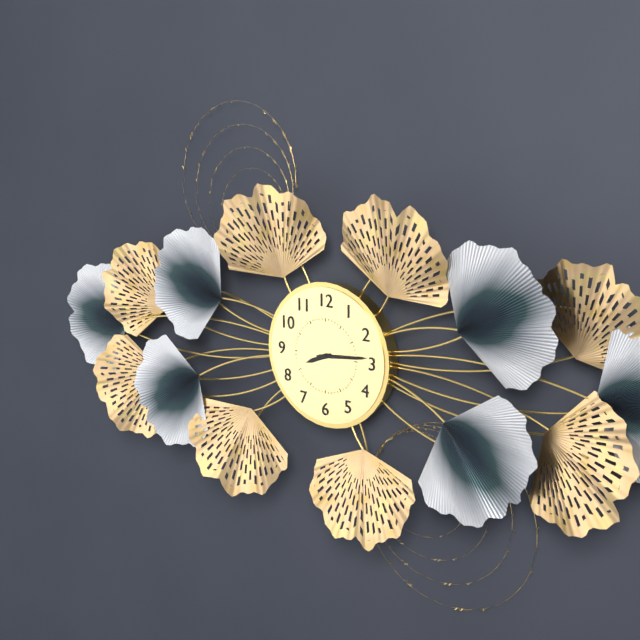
8.14
